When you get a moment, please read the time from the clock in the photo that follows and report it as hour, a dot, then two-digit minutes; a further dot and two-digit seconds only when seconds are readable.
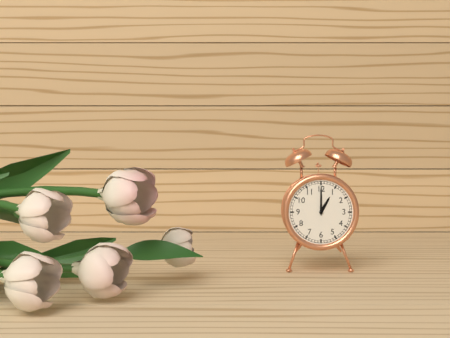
1.00
